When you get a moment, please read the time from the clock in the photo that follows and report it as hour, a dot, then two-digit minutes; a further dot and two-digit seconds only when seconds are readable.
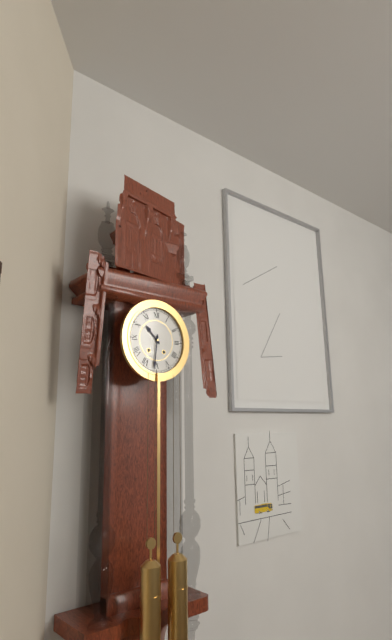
10.31
